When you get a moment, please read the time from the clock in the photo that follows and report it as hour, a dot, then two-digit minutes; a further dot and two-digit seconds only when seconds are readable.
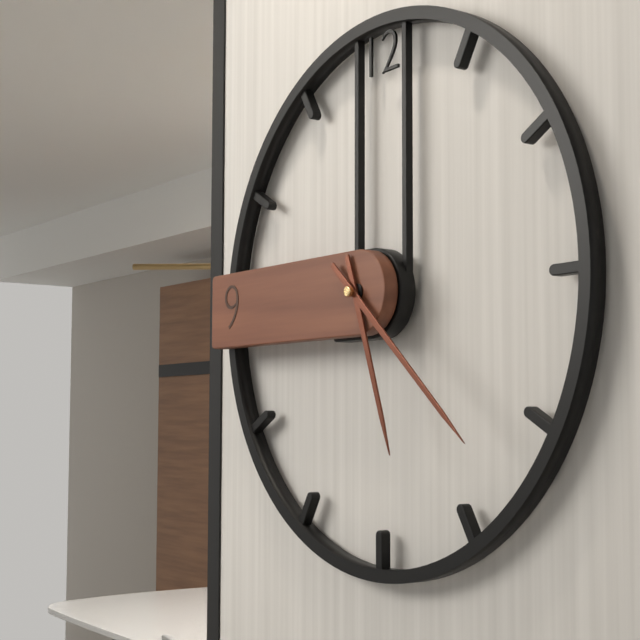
5.22
